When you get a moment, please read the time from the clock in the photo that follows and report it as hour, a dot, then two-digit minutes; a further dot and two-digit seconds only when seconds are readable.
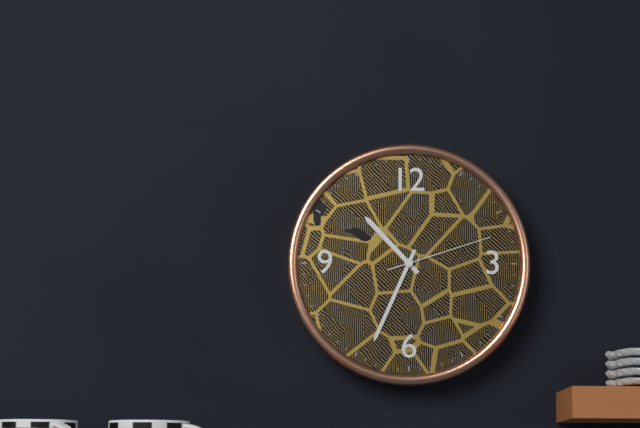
10.34.12
